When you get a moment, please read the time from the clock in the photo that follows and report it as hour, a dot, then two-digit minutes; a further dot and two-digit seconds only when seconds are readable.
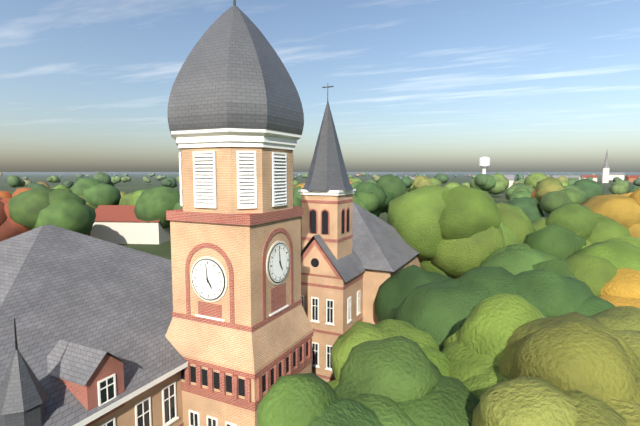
4.59
